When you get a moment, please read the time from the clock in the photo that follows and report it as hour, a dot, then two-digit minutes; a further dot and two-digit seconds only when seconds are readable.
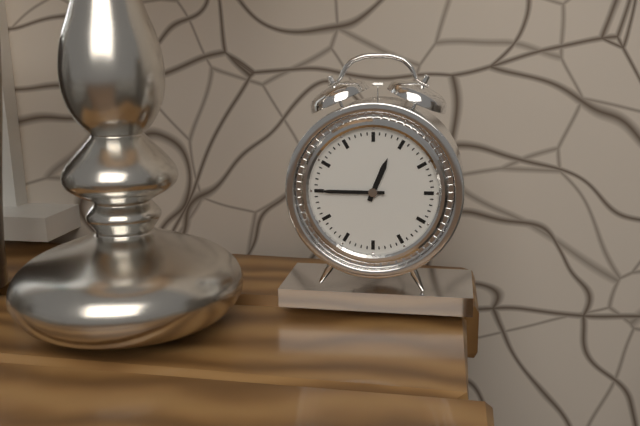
12.45
